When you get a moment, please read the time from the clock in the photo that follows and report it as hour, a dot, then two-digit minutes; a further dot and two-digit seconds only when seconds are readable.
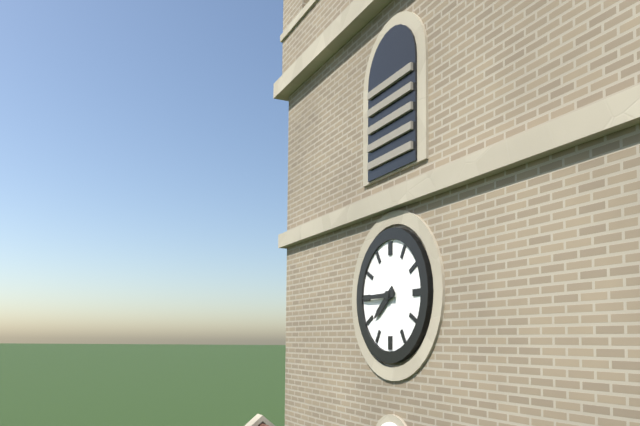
7.45
